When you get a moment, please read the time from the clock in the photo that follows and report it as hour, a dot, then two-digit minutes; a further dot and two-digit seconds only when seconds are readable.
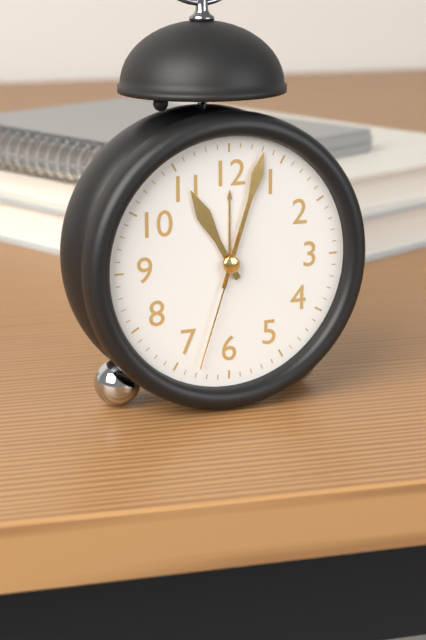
11.03.33
